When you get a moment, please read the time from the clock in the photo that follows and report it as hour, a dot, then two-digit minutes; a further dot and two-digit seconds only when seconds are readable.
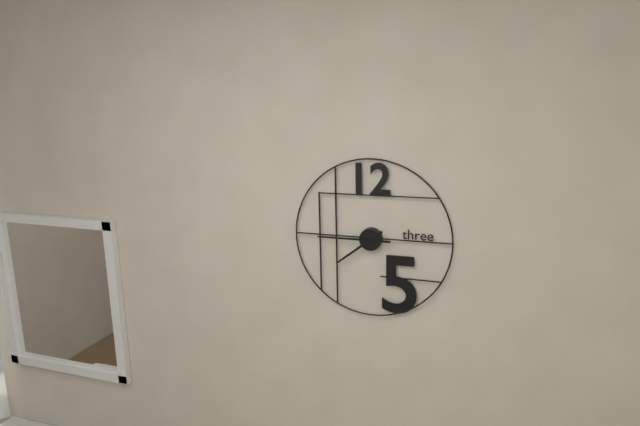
7.45
